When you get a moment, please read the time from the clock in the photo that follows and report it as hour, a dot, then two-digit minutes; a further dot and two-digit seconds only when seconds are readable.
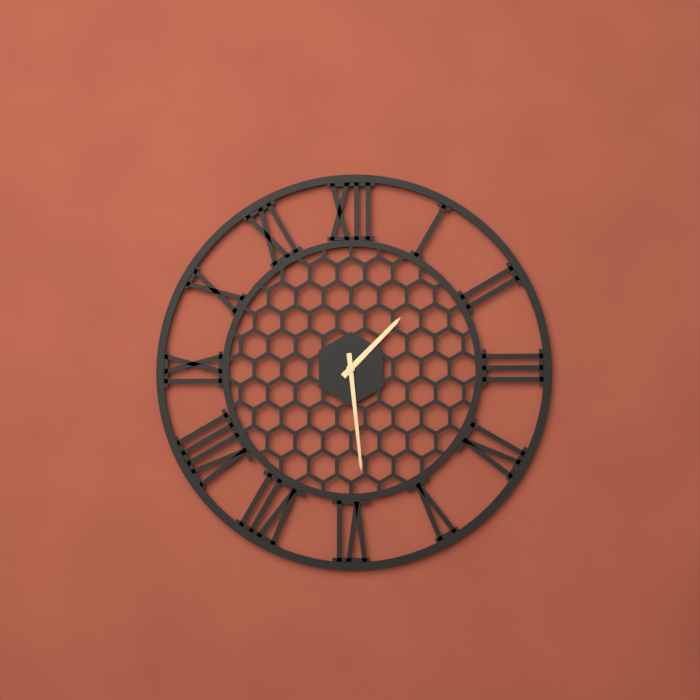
1.29
